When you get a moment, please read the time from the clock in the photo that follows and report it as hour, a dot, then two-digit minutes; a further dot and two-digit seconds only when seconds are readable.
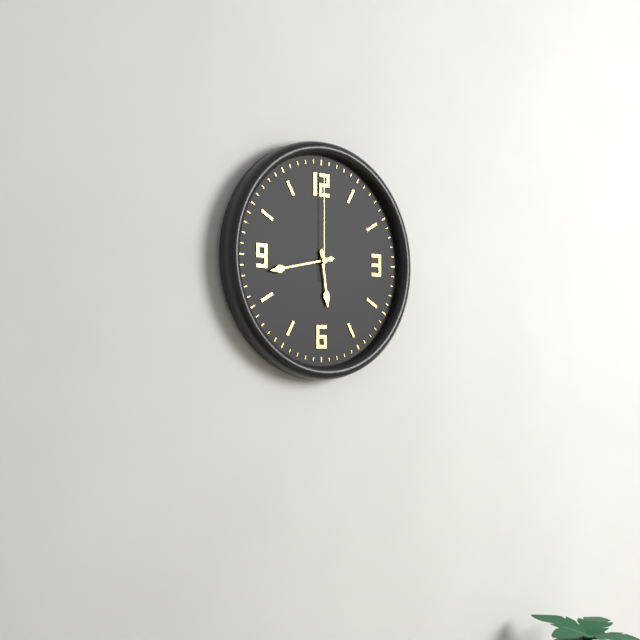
5.43.00
